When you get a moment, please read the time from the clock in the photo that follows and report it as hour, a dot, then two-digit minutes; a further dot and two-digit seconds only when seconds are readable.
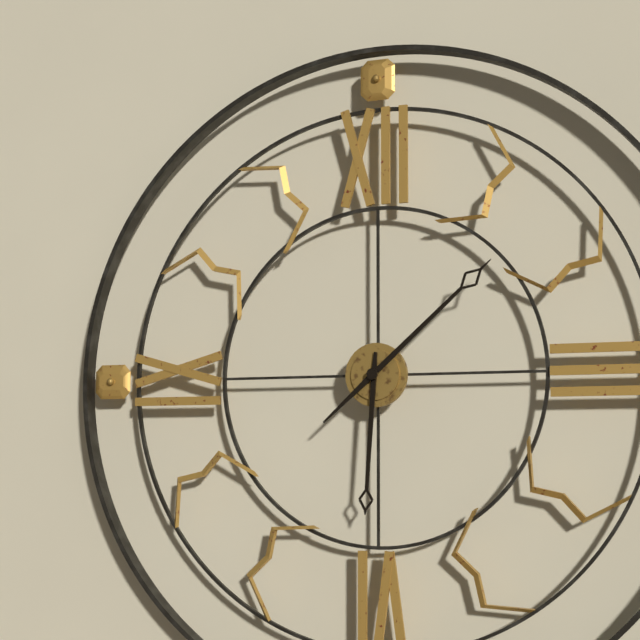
6.08
